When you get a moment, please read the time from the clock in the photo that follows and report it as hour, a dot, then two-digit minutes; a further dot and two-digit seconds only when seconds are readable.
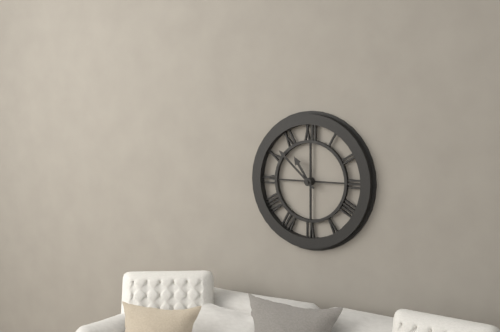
10.52
